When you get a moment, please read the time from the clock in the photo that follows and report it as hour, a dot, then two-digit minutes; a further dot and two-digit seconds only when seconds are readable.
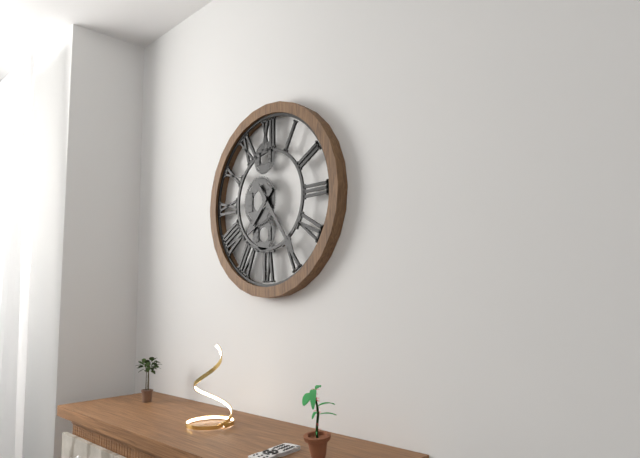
7.24
